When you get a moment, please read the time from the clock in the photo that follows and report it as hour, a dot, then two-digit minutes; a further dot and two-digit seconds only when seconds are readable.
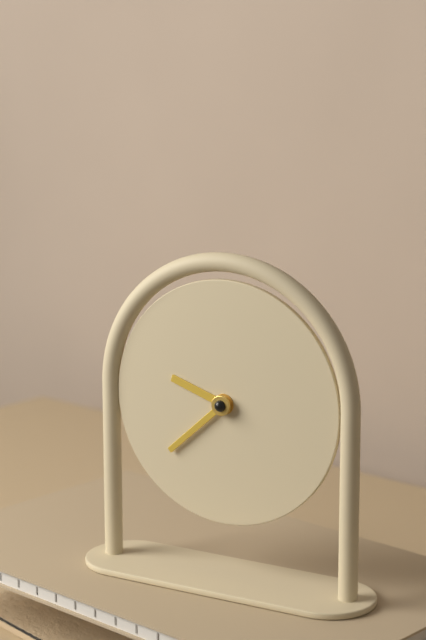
9.38
